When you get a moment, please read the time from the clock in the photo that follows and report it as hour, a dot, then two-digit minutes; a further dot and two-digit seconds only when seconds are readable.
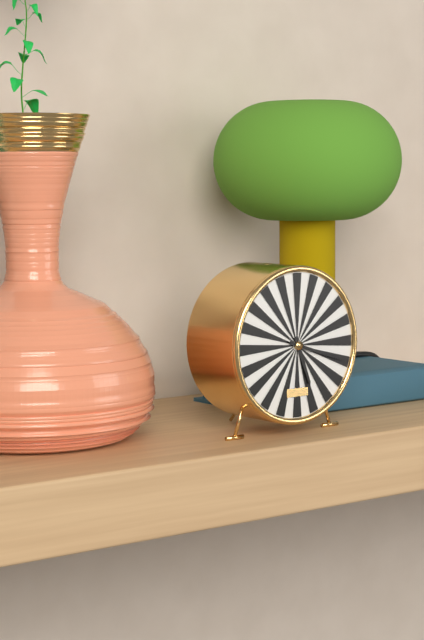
5.18
